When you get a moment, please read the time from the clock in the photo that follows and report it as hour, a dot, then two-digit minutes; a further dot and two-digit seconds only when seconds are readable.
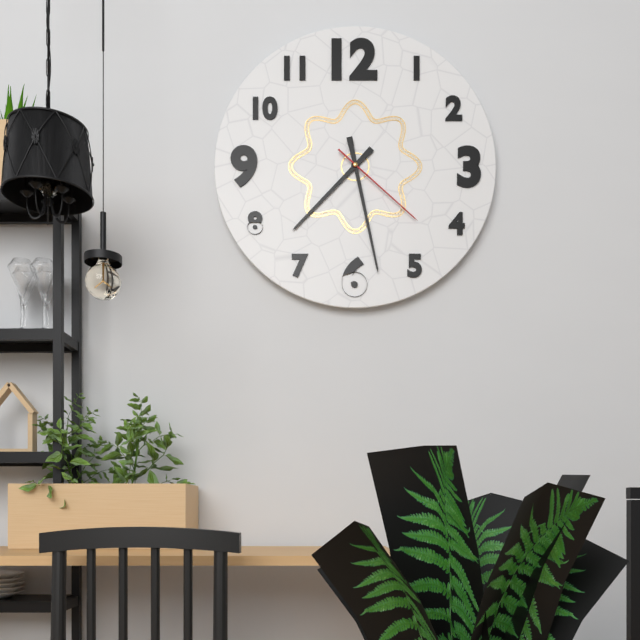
7.28.22
